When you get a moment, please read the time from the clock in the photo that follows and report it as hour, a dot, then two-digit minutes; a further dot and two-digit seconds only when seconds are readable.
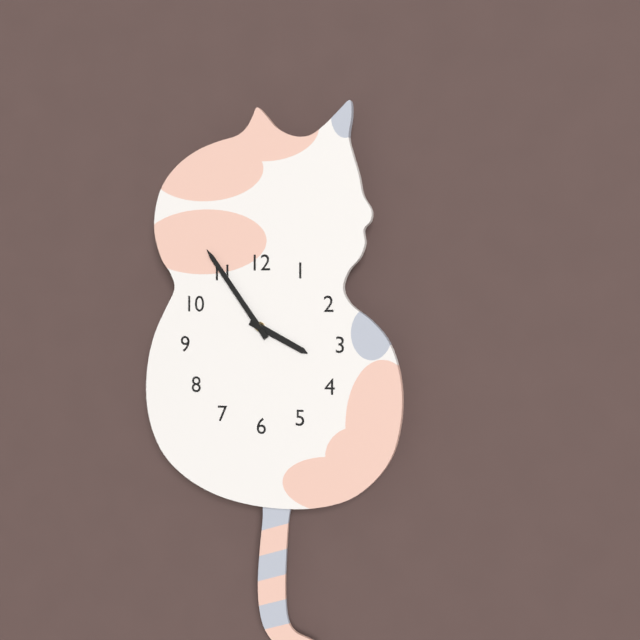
3.54
